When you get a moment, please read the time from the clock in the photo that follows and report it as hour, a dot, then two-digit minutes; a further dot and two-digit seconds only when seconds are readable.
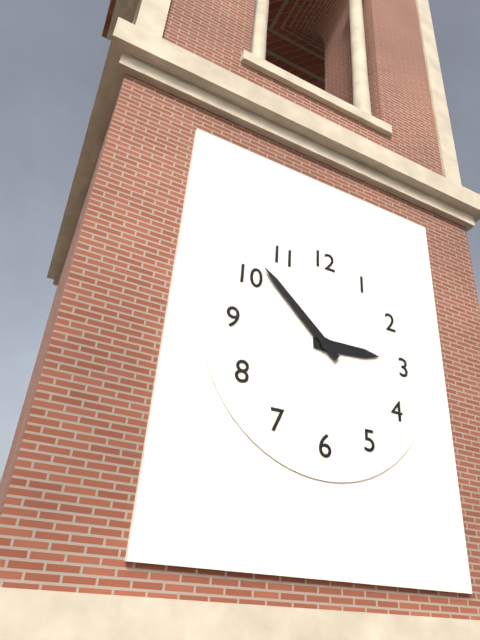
2.52
